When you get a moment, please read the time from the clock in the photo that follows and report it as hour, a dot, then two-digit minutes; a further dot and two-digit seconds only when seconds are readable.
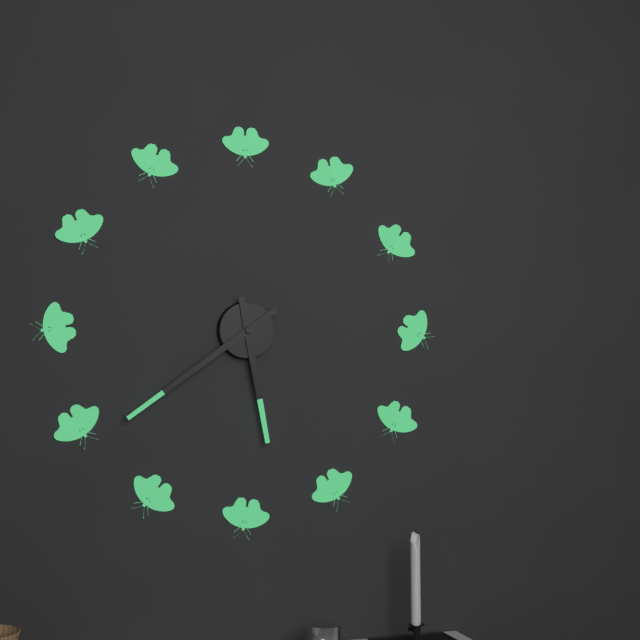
5.39
